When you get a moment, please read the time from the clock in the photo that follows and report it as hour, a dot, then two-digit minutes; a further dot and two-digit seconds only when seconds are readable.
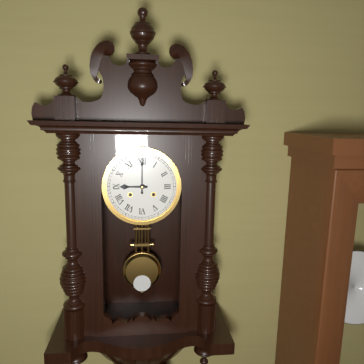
9.00
